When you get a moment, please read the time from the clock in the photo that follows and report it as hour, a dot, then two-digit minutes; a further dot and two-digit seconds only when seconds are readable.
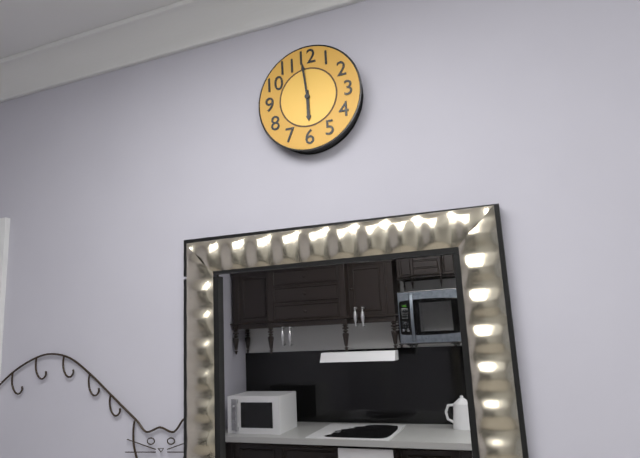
5.59
